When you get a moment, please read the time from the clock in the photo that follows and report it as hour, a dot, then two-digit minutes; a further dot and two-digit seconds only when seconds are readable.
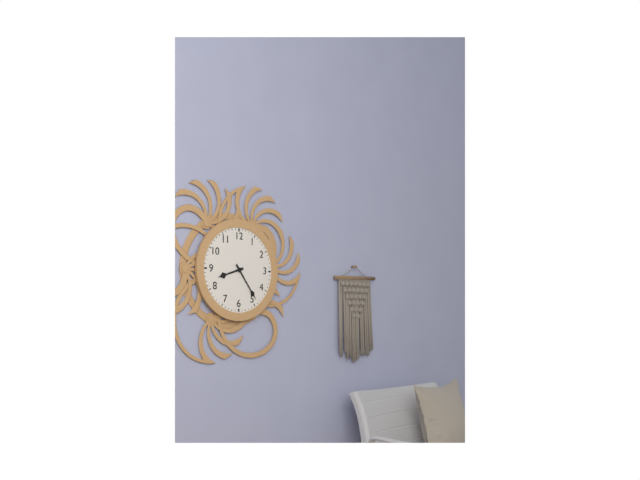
8.24
